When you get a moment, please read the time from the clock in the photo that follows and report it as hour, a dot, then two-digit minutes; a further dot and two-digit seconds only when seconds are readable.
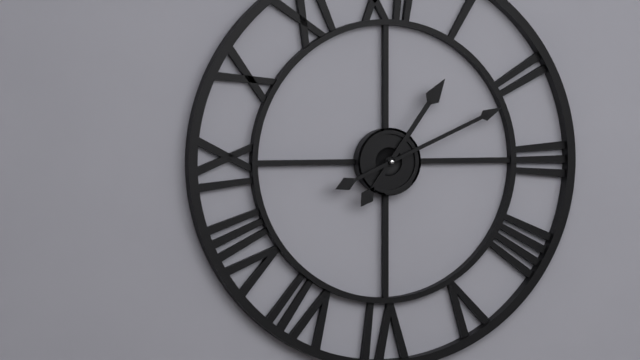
1.11
